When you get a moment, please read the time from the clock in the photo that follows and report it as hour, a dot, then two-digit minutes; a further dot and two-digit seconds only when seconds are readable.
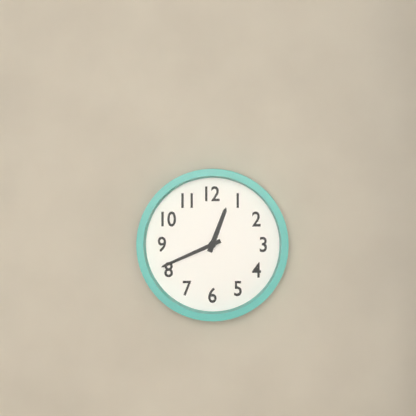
12.41
